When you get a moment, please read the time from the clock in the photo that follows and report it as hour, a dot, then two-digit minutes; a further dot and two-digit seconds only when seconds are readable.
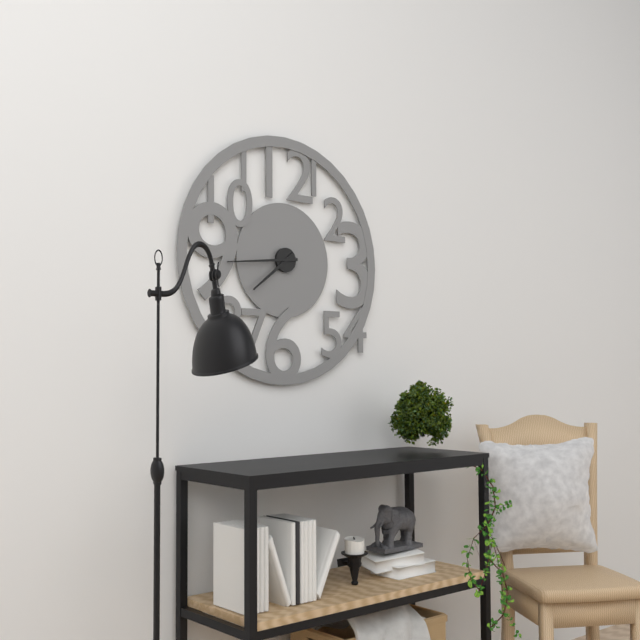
7.44
